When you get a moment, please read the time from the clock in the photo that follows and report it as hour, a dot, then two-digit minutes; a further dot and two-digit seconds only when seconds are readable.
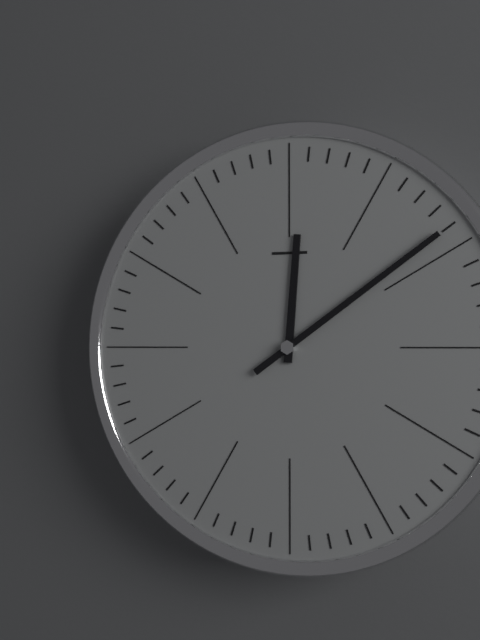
12.09
